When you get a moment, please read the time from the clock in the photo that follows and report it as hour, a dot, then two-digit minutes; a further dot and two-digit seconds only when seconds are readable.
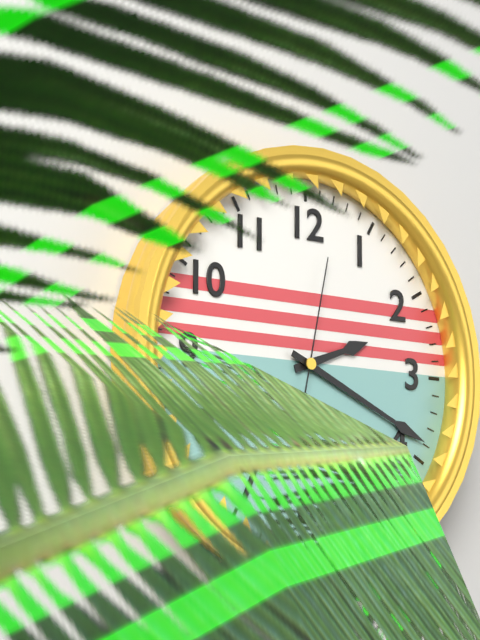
2.19.02
